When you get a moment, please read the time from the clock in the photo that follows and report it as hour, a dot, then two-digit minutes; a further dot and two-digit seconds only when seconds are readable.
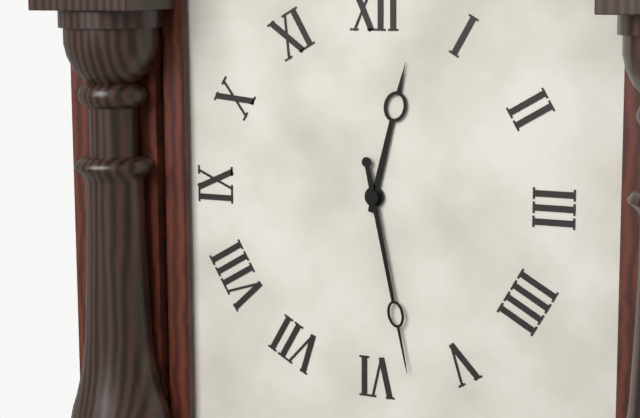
12.28
